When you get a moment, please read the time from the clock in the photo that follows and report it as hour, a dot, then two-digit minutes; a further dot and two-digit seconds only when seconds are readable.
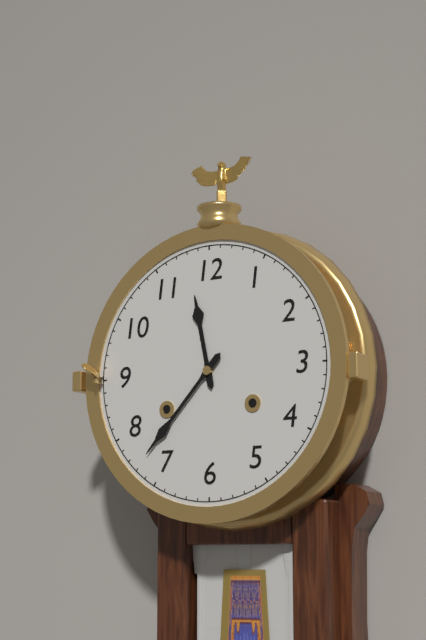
11.37
